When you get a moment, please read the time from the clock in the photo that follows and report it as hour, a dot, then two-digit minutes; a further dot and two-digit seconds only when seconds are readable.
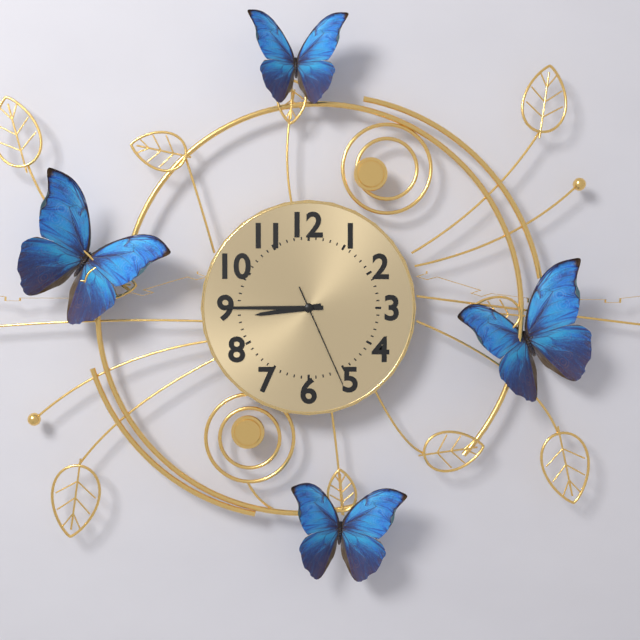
8.45.26
